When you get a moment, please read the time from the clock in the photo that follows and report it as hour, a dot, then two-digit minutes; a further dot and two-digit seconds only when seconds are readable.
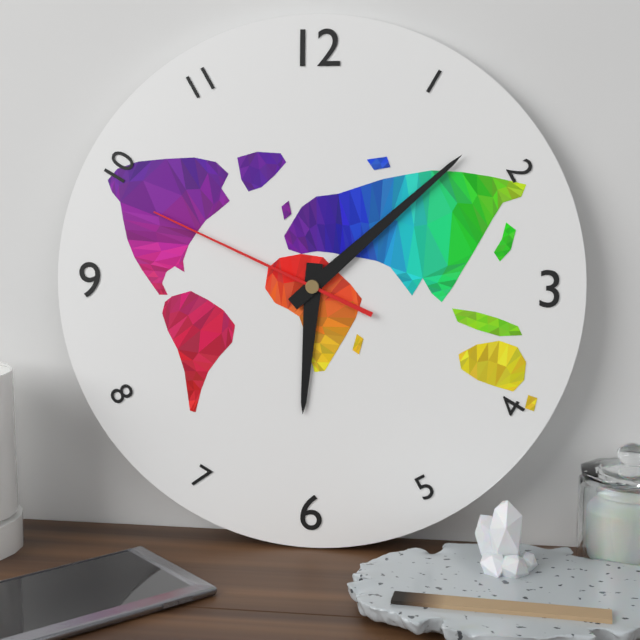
6.08.49
